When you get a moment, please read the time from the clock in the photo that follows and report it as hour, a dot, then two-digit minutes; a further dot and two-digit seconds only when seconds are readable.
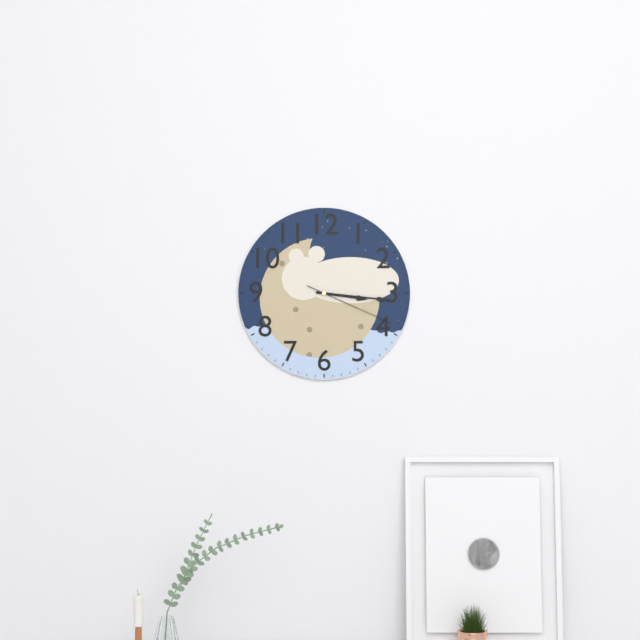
3.16.19
